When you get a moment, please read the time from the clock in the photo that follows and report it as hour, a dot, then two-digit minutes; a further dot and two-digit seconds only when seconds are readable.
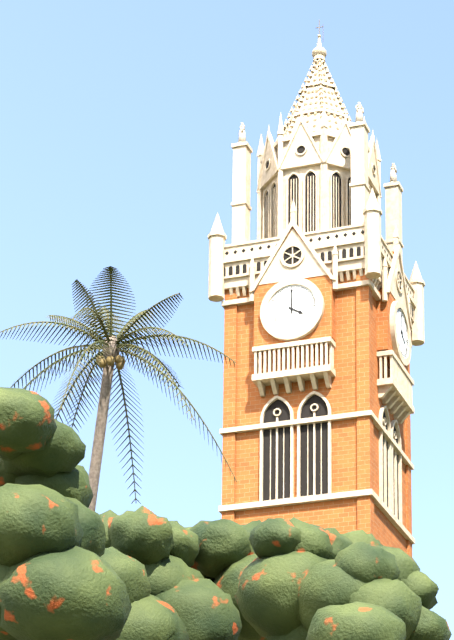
4.00
